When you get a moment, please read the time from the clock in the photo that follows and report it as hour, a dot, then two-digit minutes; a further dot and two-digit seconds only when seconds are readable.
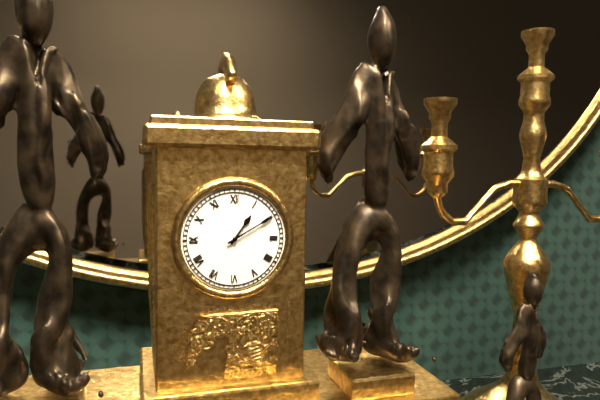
1.10
